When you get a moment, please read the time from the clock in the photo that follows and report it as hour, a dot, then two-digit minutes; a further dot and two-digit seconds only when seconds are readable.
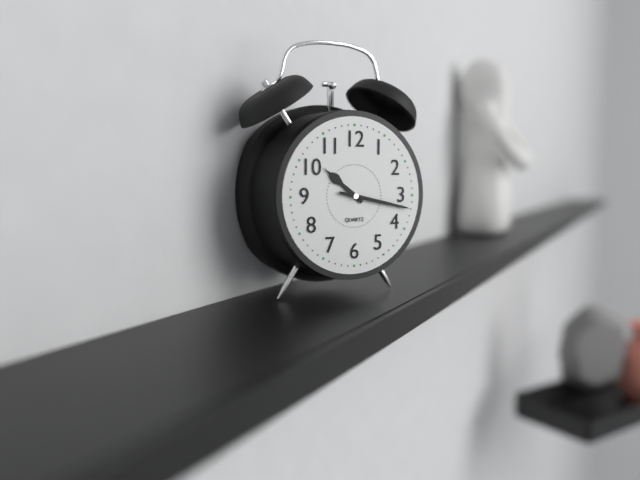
10.17
